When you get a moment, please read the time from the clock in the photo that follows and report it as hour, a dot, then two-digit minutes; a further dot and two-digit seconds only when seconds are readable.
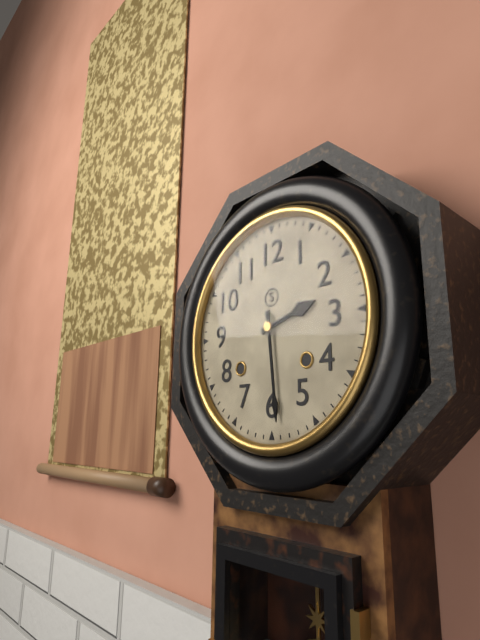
2.29
